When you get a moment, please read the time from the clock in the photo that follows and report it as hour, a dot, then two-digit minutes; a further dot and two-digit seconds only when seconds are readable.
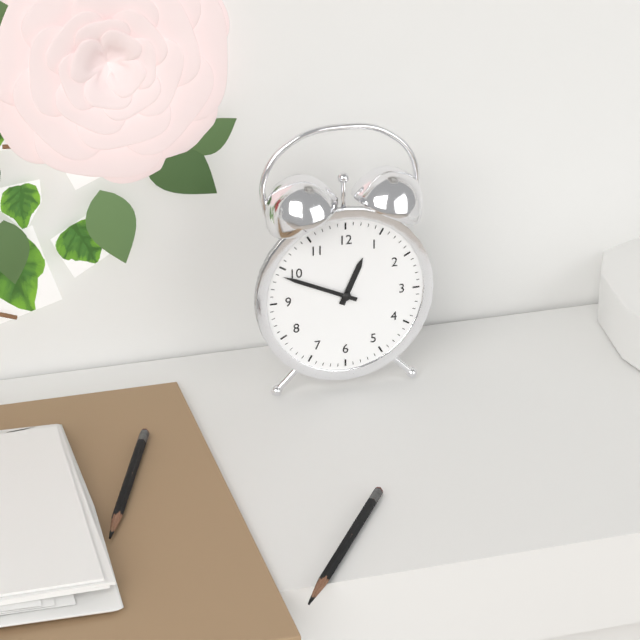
12.49
